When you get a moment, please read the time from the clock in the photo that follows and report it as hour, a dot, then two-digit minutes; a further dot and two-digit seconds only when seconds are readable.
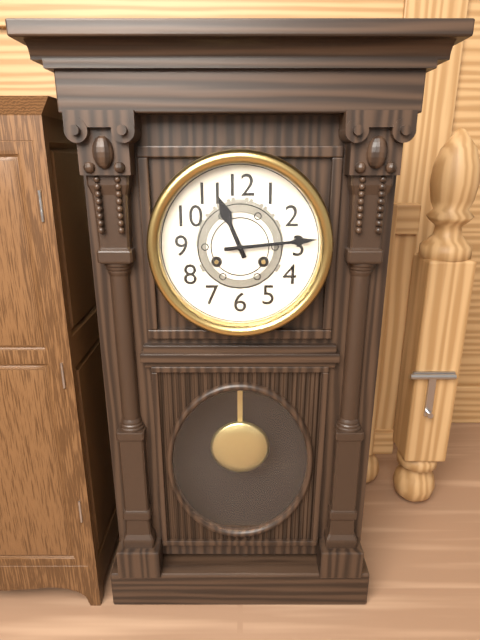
11.14
